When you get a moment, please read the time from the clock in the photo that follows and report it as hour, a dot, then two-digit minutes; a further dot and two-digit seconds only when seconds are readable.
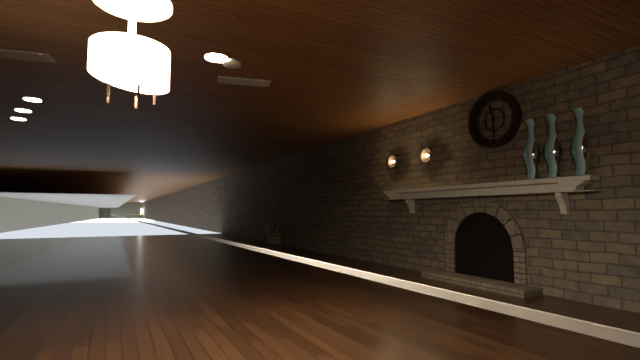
11.30
